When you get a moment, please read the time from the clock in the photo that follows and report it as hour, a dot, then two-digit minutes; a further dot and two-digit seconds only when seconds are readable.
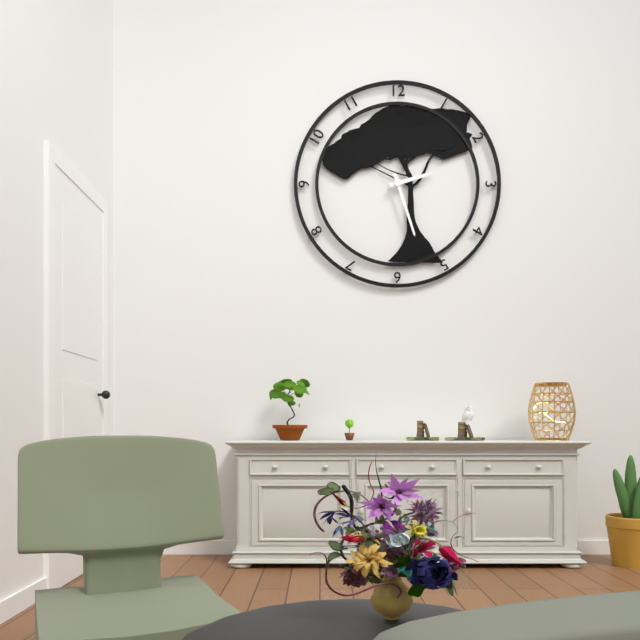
2.27
